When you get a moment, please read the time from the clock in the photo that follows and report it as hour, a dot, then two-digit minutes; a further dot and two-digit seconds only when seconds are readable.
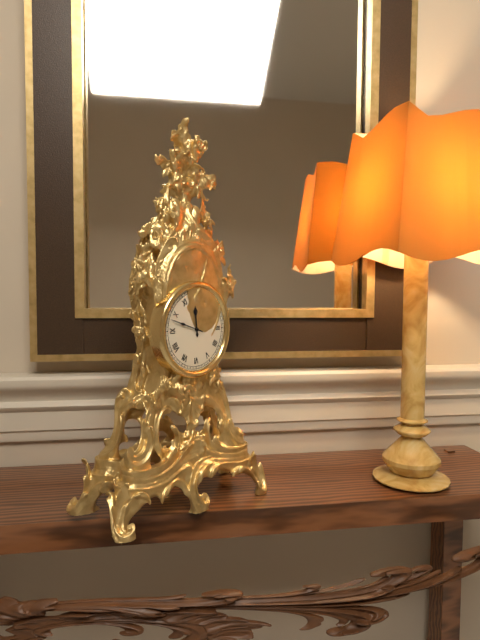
11.48
